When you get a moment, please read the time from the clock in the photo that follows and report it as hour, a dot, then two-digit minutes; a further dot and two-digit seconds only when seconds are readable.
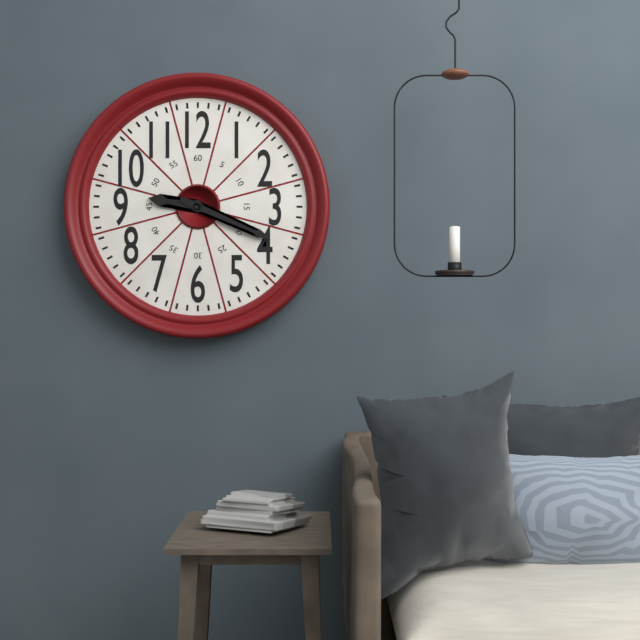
9.19
